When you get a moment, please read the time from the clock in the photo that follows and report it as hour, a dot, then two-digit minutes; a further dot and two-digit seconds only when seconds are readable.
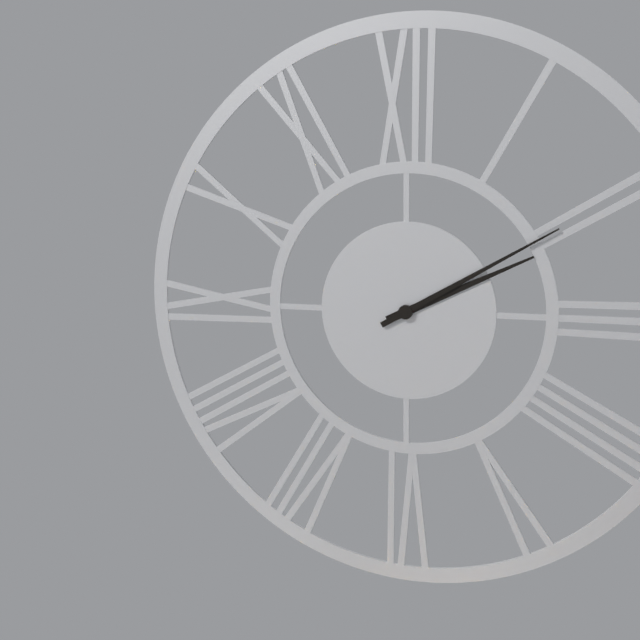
2.10
